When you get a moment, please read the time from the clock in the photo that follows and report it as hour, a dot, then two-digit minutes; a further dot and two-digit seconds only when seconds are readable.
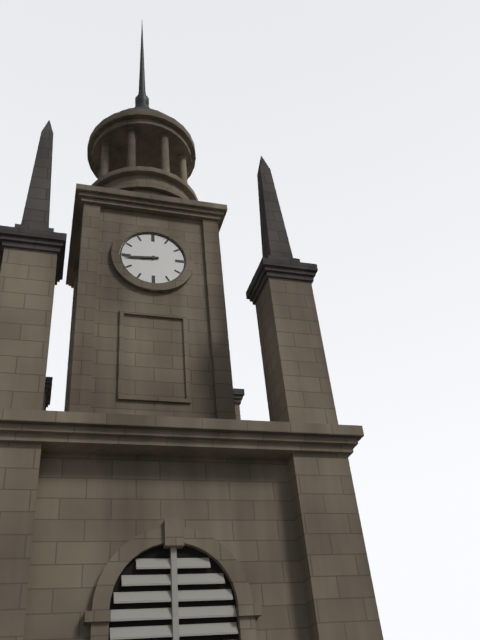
8.44
